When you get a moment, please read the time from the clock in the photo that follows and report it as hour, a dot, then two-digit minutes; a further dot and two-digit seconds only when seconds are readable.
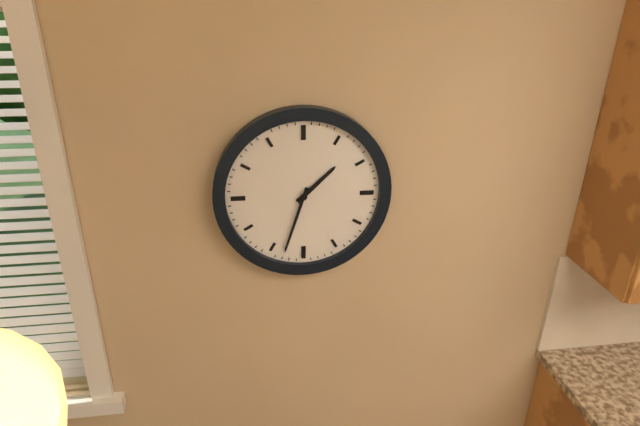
1.33
